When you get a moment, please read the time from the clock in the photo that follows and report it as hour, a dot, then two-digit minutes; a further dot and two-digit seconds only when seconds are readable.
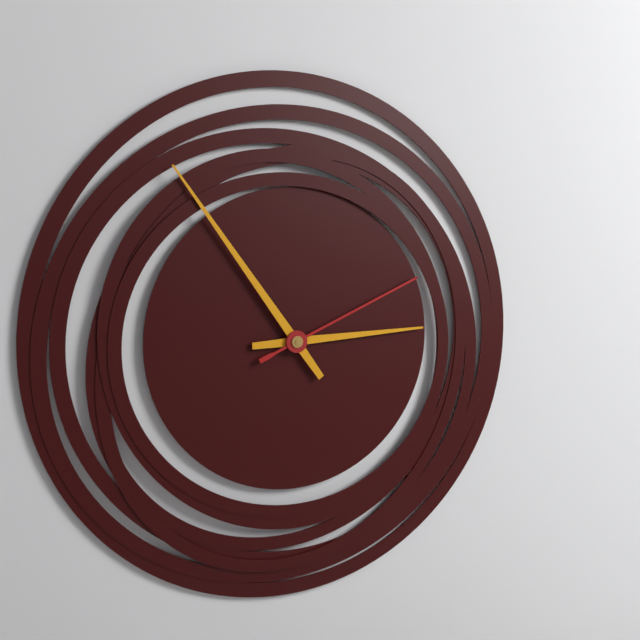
2.54.11
